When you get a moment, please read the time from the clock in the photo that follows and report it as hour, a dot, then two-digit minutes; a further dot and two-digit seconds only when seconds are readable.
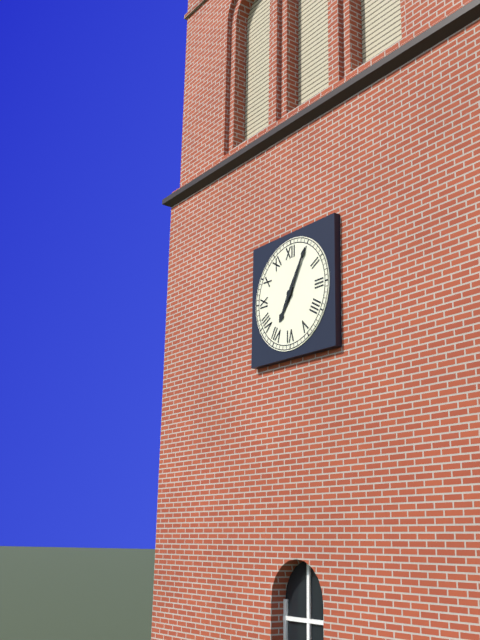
7.05
